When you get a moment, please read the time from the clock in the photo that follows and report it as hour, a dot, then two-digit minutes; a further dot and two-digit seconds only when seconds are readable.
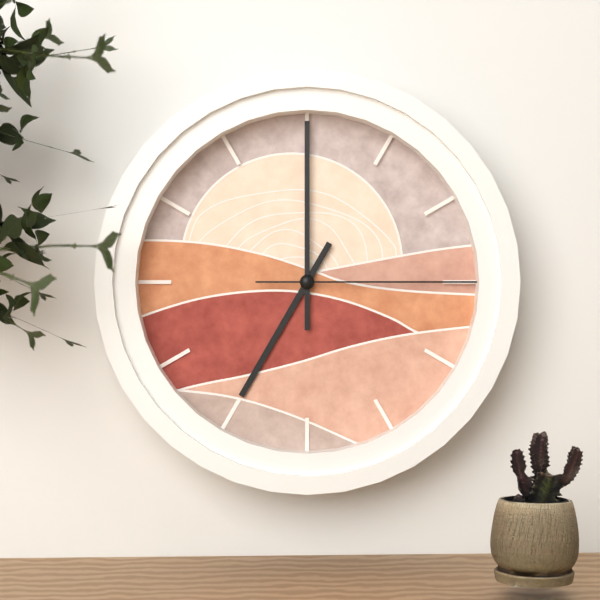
7.00.15
